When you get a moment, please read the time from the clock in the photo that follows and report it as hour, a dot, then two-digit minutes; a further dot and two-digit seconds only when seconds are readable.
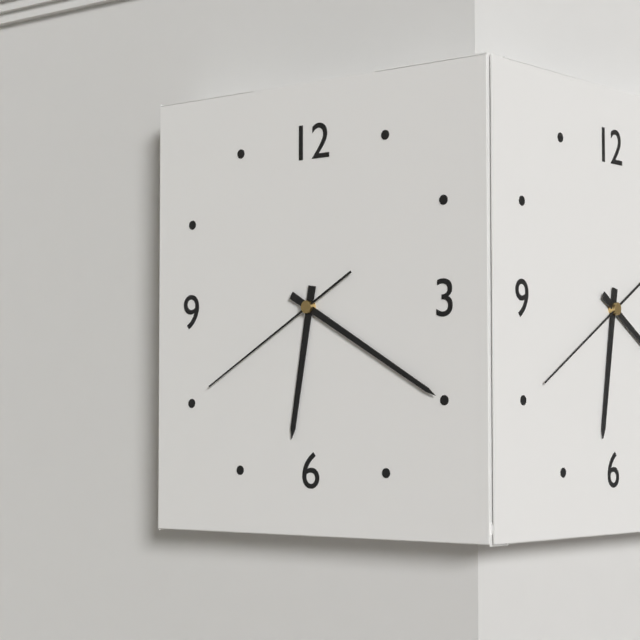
6.20.40
